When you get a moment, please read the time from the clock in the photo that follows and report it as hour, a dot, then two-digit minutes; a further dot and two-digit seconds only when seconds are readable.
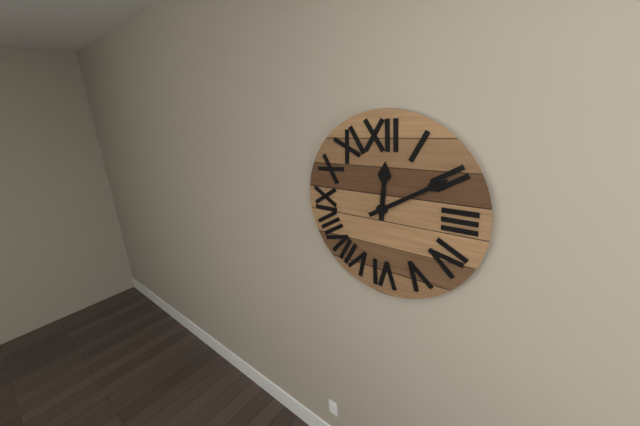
12.10
